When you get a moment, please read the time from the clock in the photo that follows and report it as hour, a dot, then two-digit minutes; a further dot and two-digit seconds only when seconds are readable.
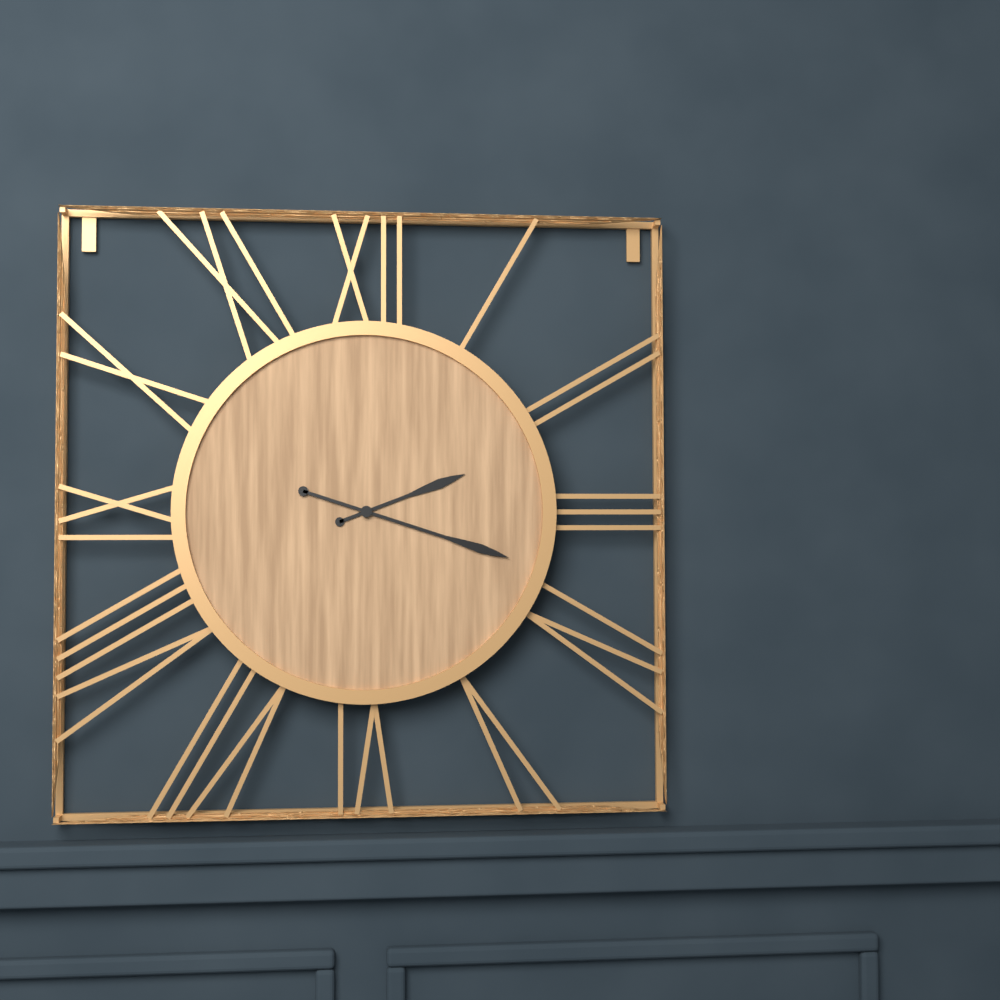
2.18
